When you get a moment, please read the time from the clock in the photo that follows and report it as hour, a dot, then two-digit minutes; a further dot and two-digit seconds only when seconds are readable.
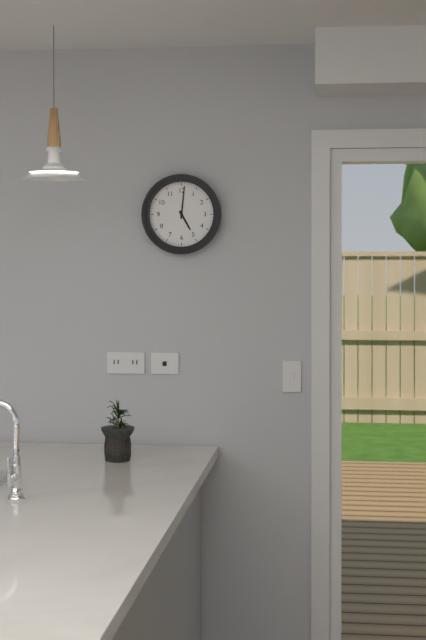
5.01
